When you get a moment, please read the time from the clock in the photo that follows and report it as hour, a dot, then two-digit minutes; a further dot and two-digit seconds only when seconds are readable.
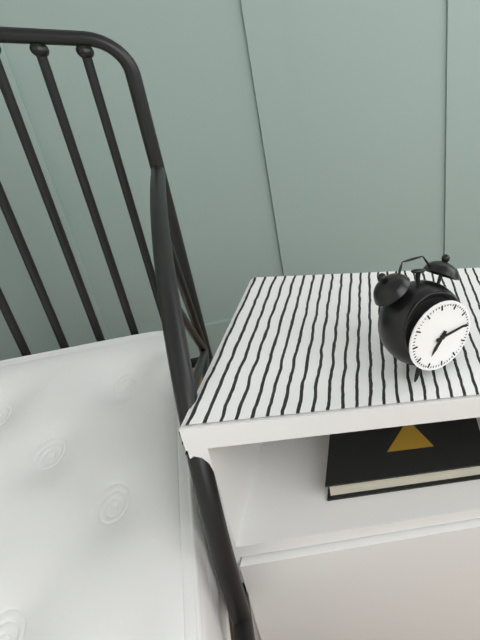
7.14
